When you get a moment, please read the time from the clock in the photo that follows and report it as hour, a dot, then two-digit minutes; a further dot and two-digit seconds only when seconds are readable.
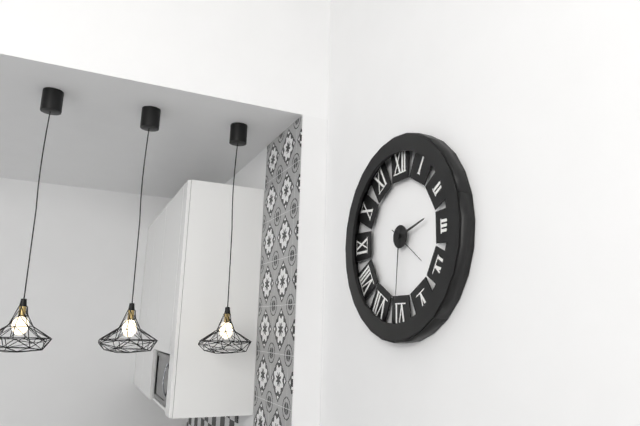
2.31
